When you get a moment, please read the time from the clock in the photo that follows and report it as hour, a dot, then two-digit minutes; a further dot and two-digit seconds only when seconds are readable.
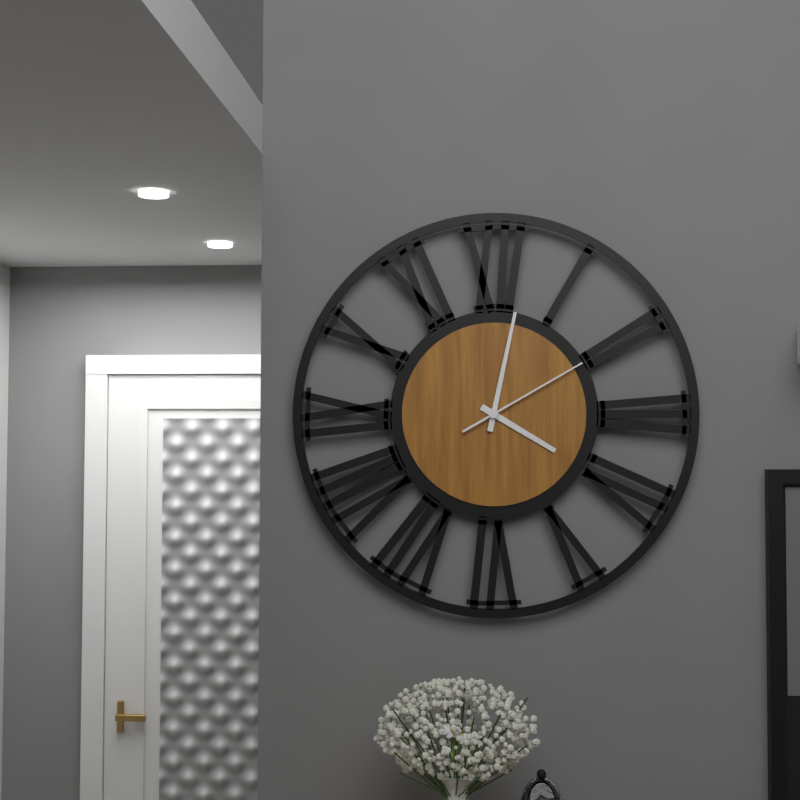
4.02.10
